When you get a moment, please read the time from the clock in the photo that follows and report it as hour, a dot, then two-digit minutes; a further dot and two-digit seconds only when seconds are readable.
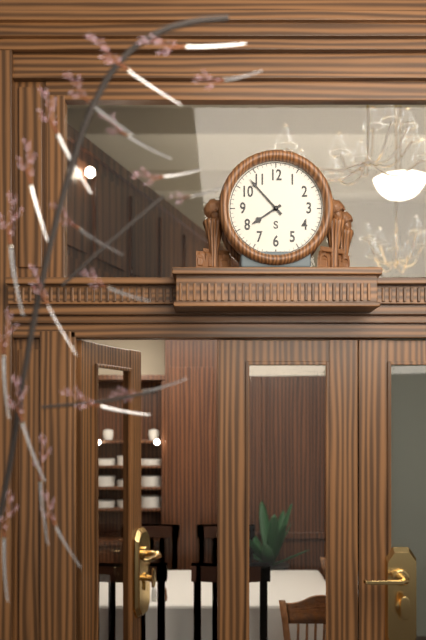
7.53
